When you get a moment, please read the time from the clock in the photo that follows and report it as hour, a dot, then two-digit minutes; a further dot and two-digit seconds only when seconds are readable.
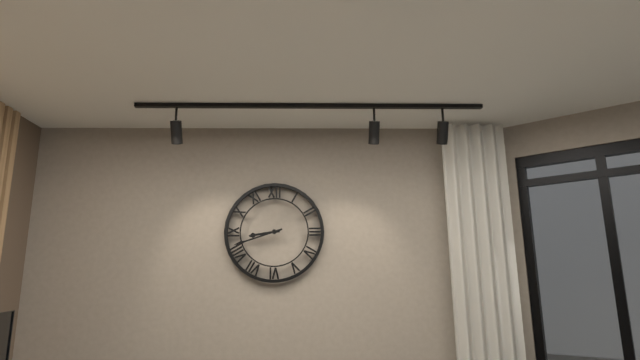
8.42
